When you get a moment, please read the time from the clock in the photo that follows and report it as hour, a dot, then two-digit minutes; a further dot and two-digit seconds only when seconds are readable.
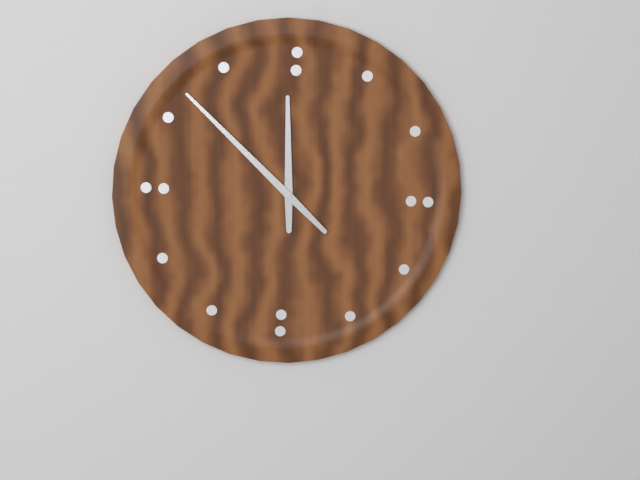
11.52
